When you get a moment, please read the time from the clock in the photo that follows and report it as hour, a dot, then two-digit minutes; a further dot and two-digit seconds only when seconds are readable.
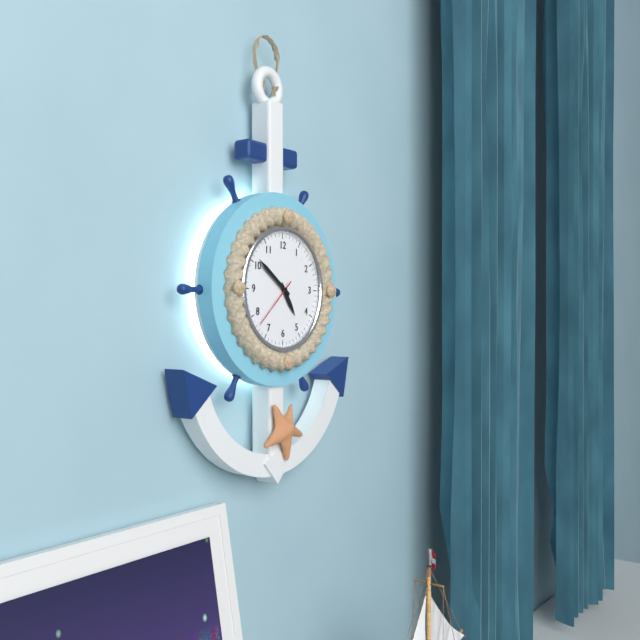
4.51.38
